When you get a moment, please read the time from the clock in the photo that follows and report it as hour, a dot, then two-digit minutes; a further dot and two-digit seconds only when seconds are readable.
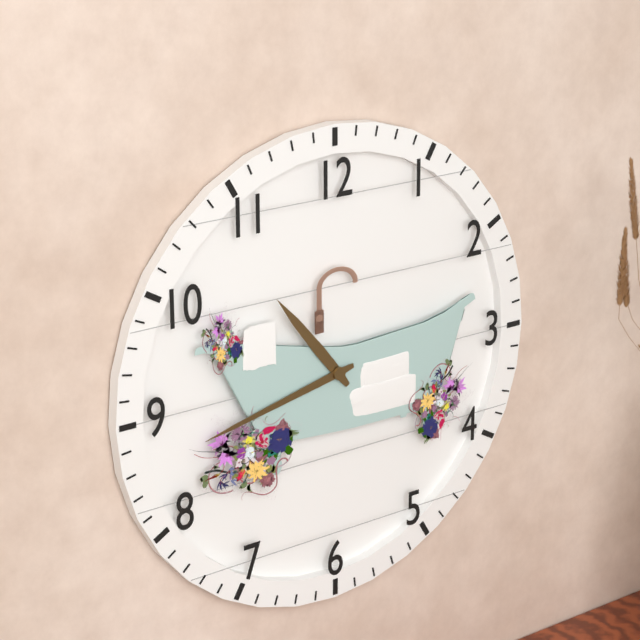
10.43
